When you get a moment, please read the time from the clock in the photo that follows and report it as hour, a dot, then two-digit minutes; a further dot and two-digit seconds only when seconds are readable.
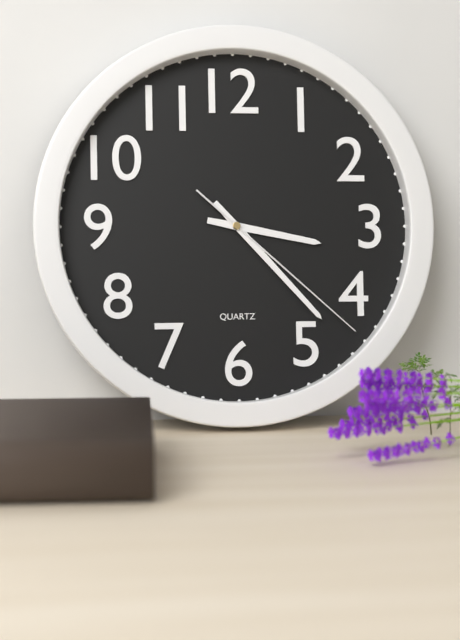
3.23.22
